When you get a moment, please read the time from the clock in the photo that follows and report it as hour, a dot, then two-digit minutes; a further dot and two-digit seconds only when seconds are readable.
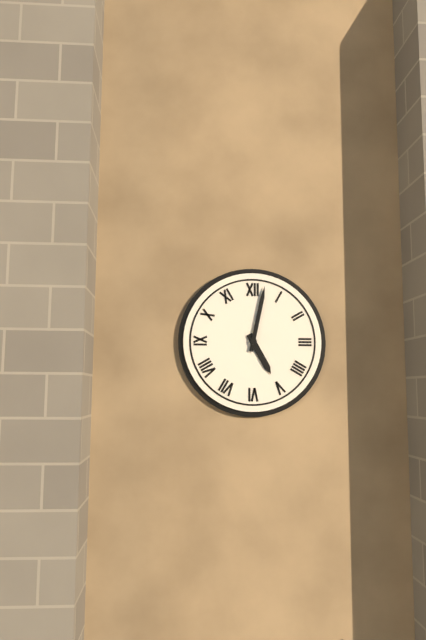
5.02
